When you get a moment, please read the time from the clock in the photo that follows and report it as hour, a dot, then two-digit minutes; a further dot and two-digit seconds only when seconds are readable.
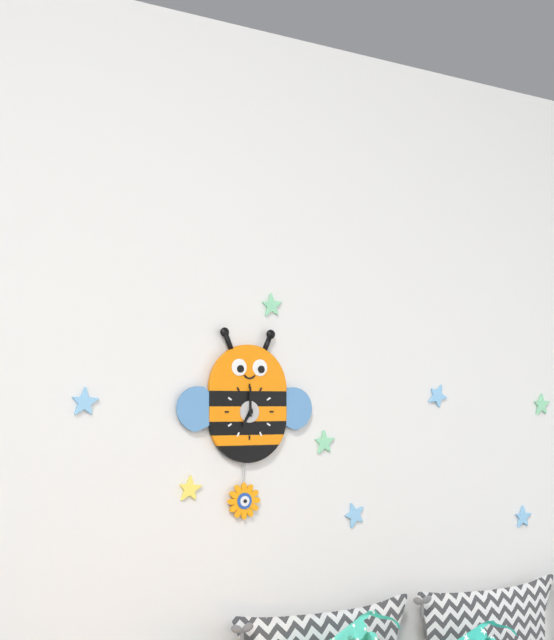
7.00
